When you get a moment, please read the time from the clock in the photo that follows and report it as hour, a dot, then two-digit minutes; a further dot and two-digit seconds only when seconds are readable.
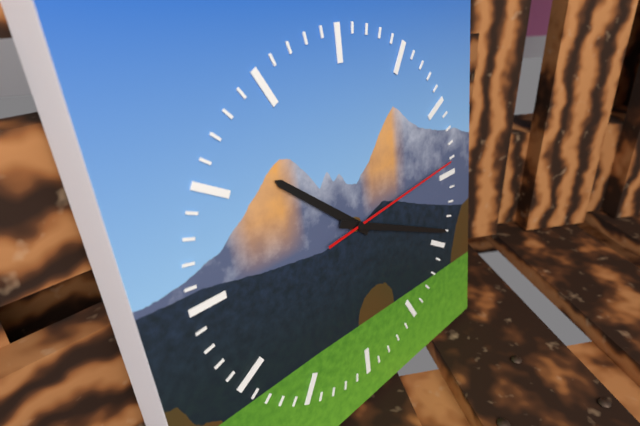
10.19.14
